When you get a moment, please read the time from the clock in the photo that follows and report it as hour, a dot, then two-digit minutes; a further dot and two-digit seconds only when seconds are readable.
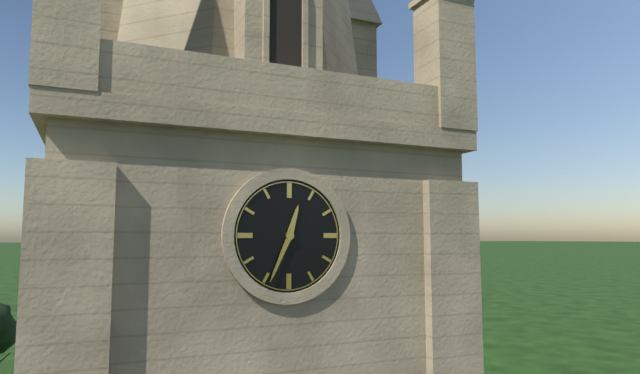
12.34
